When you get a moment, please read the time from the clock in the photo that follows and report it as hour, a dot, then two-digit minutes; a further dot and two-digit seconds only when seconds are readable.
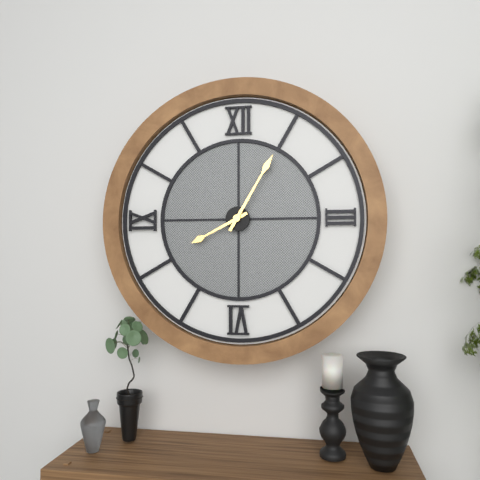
8.05
